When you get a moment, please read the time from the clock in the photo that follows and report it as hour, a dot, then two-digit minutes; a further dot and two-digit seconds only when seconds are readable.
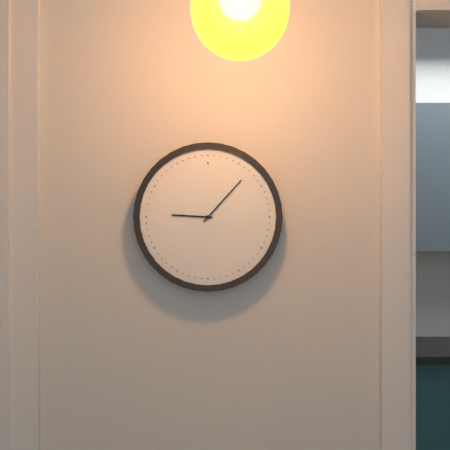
9.07
